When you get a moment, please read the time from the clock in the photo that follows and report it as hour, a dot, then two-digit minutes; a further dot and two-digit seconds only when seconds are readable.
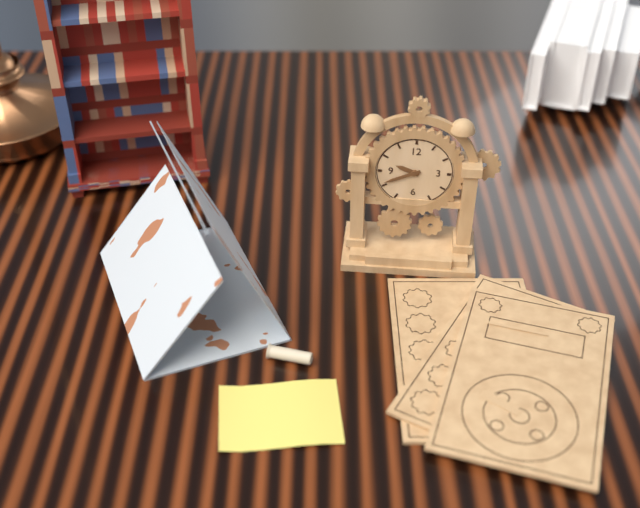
9.41
